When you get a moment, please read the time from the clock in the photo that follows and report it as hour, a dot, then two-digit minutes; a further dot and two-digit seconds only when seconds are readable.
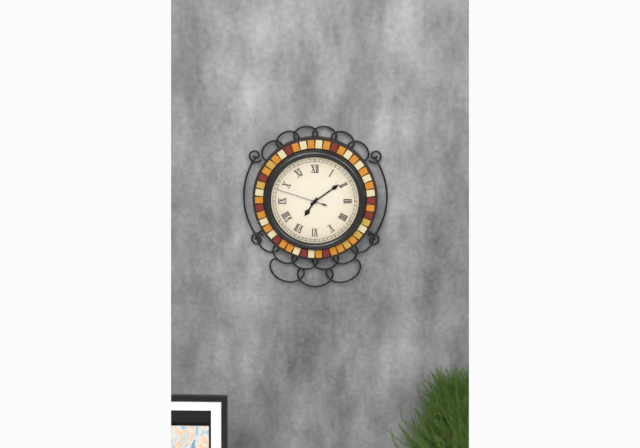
7.09
